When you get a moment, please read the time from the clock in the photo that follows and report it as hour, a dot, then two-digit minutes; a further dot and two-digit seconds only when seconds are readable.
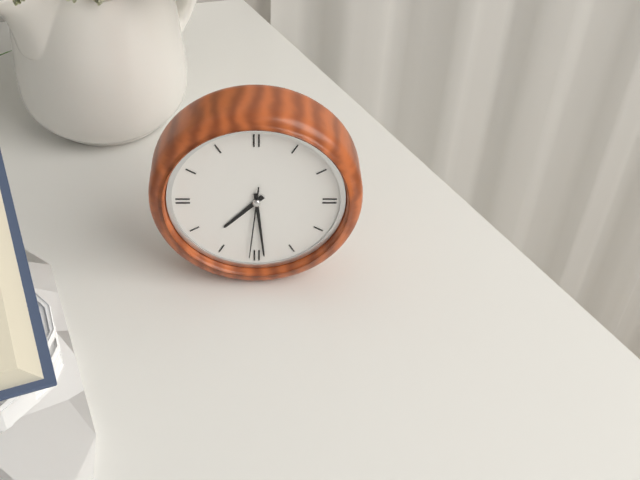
7.29.31
